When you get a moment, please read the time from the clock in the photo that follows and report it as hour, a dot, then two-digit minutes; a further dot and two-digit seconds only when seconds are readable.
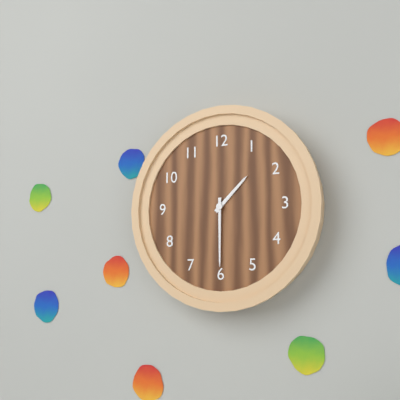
1.30
